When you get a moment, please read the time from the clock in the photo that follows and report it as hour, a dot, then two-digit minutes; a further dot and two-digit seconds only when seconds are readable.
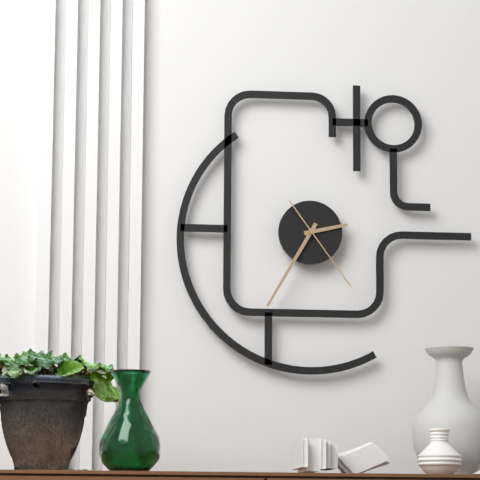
2.35.24
